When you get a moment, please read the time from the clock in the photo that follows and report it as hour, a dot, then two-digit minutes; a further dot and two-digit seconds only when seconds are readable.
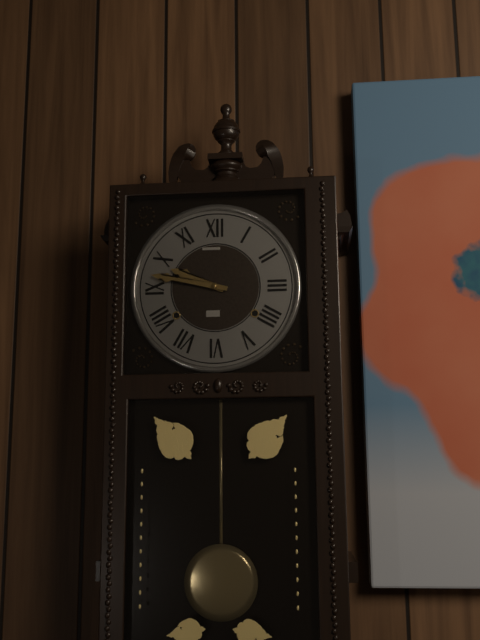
9.47
